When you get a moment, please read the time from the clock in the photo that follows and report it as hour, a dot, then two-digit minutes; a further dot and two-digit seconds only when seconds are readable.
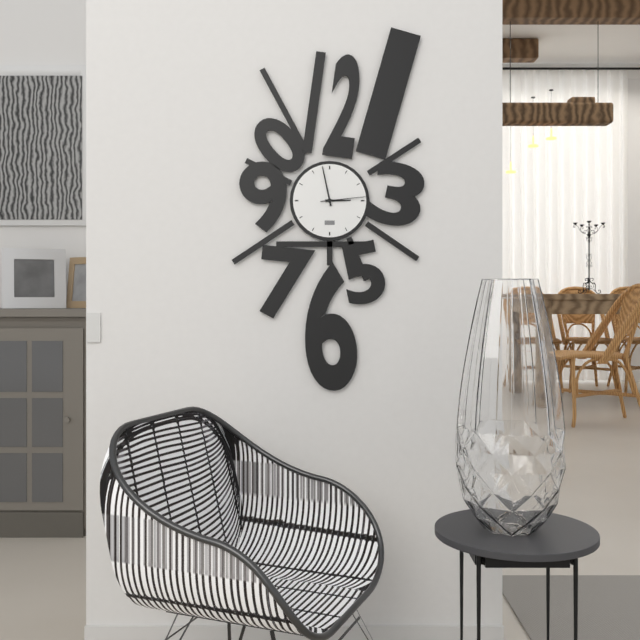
2.58
